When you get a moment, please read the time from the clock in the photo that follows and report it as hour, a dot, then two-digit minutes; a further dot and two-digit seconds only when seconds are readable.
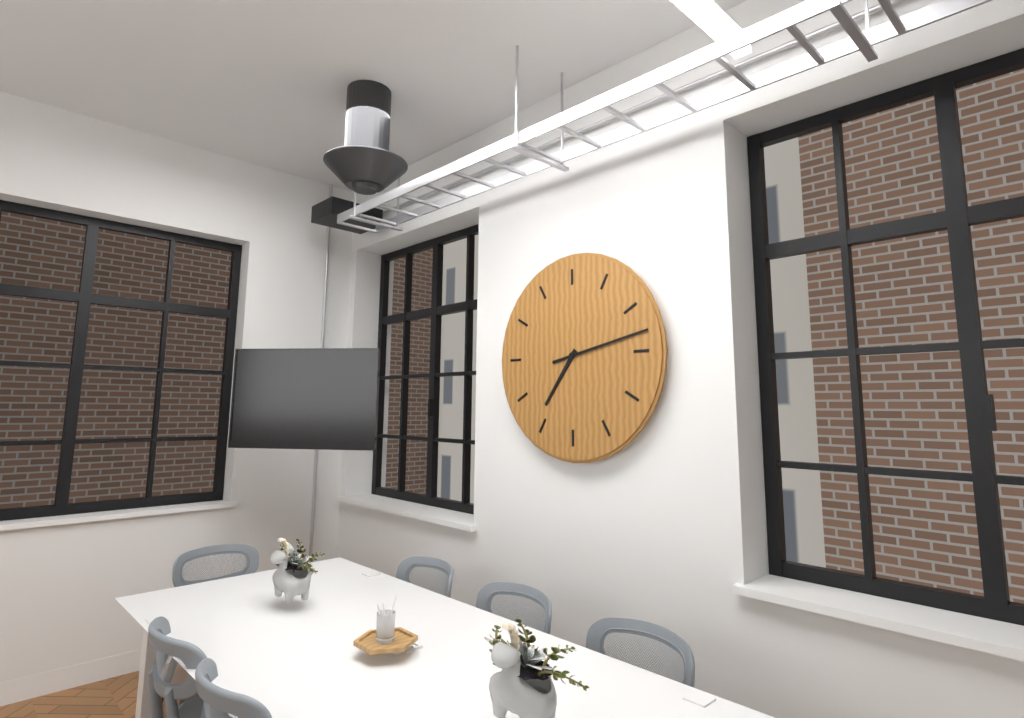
7.13
